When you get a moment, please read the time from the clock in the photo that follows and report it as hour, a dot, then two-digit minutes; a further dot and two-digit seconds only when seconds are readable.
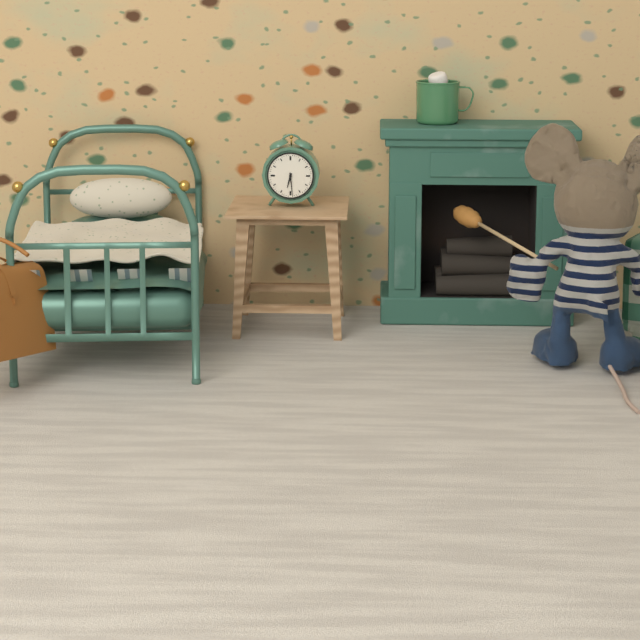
6.29
